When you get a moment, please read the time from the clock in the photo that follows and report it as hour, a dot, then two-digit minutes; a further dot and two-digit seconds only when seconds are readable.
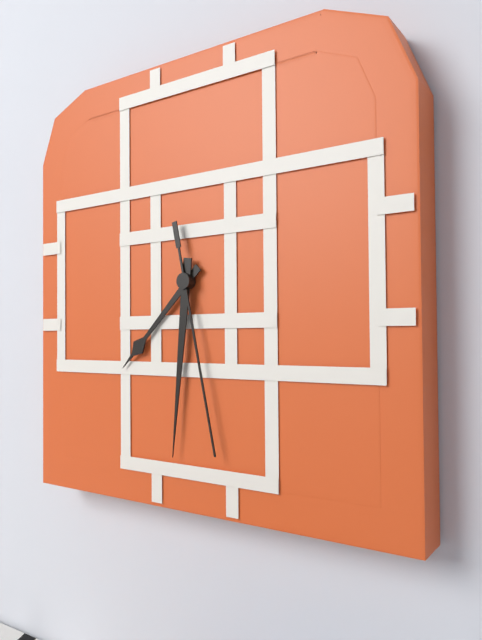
7.31.28
